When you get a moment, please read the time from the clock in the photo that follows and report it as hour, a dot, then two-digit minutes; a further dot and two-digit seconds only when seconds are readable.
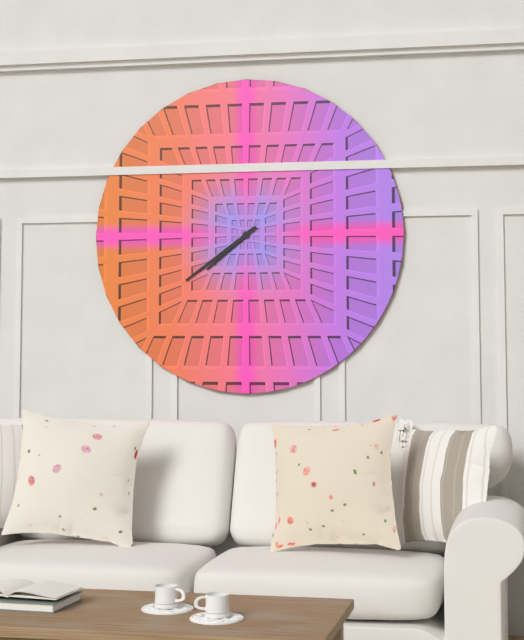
7.39
